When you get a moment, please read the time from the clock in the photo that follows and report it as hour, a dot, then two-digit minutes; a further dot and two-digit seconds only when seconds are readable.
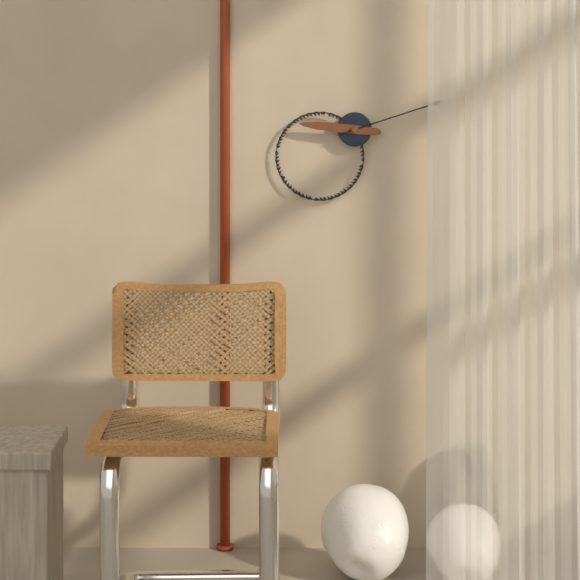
9.12
